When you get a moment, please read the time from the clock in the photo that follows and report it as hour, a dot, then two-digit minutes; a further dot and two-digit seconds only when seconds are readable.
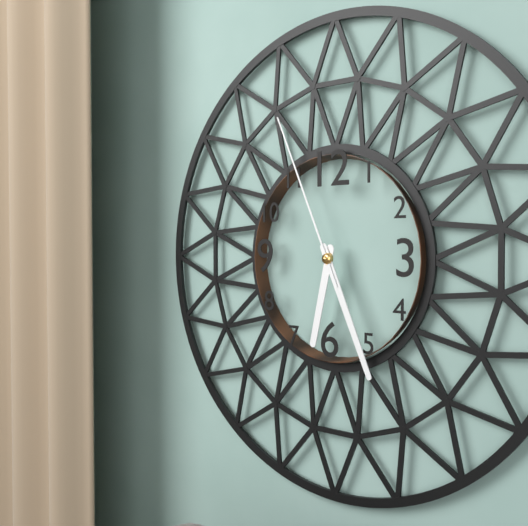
6.26.56
